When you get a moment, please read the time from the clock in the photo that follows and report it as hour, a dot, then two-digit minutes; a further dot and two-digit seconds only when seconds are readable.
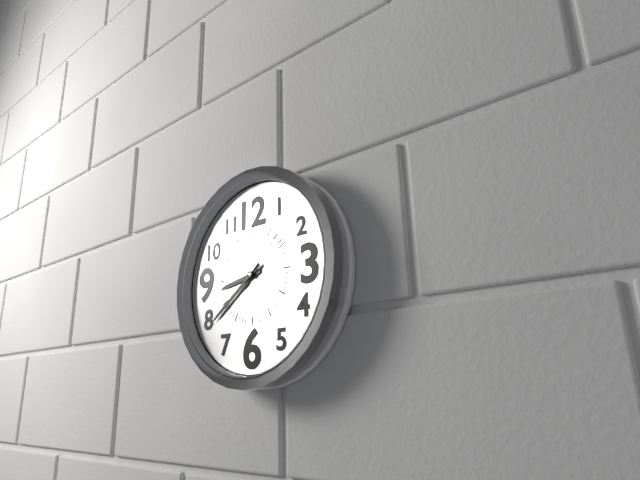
8.39.08
